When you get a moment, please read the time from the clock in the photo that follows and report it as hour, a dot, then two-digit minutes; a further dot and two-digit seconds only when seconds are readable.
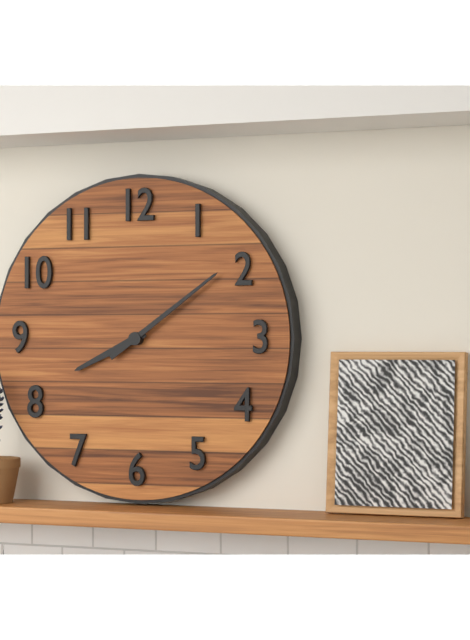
8.09
